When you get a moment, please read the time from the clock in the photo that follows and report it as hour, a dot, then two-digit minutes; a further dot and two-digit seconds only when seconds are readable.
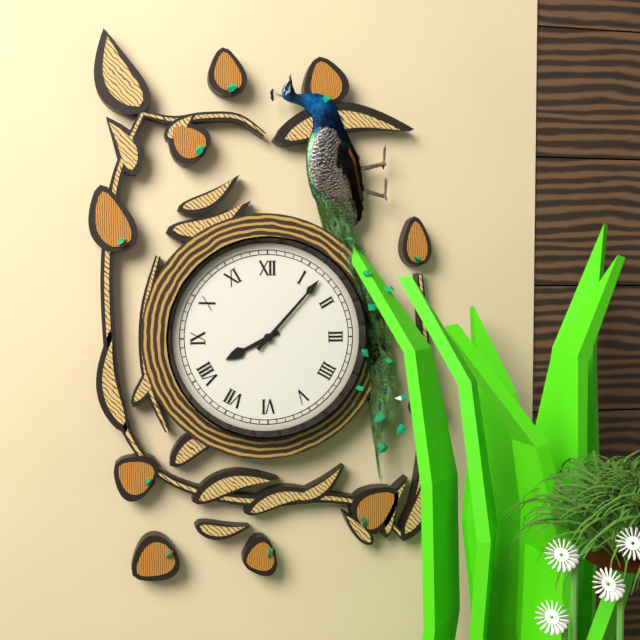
8.07
